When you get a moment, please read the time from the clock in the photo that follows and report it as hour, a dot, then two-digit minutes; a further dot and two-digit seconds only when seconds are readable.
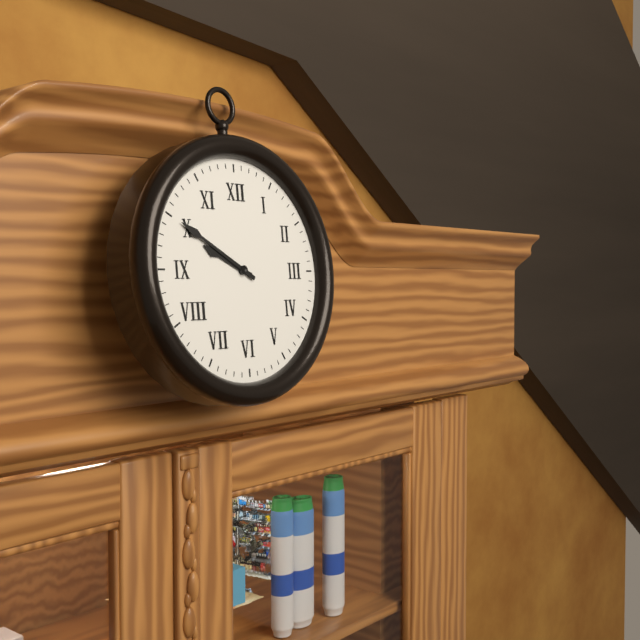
9.50
